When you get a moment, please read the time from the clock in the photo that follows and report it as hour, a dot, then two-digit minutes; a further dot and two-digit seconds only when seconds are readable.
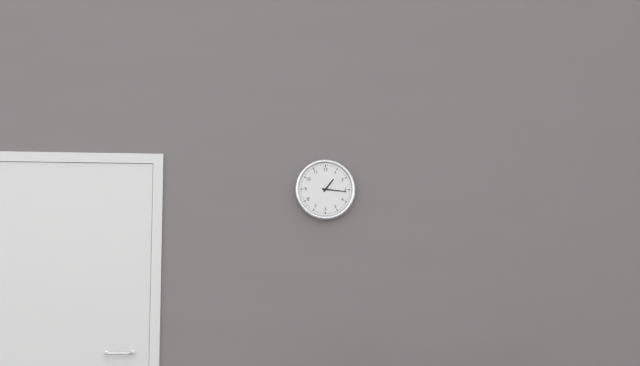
1.16
